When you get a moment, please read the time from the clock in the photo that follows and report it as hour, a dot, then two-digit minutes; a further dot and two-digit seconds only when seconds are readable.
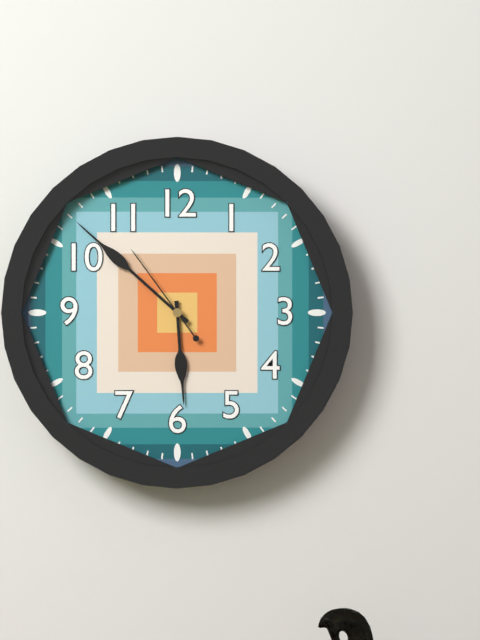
5.52.54
